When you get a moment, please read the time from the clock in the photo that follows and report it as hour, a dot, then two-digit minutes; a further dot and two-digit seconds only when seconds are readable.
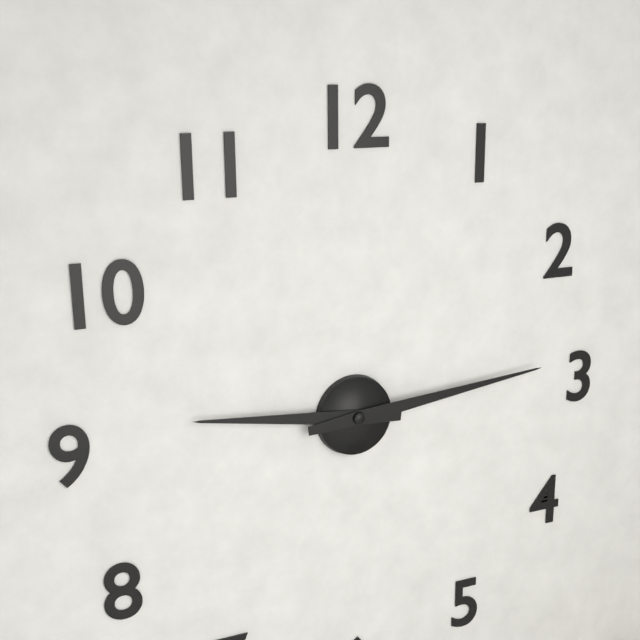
9.14
